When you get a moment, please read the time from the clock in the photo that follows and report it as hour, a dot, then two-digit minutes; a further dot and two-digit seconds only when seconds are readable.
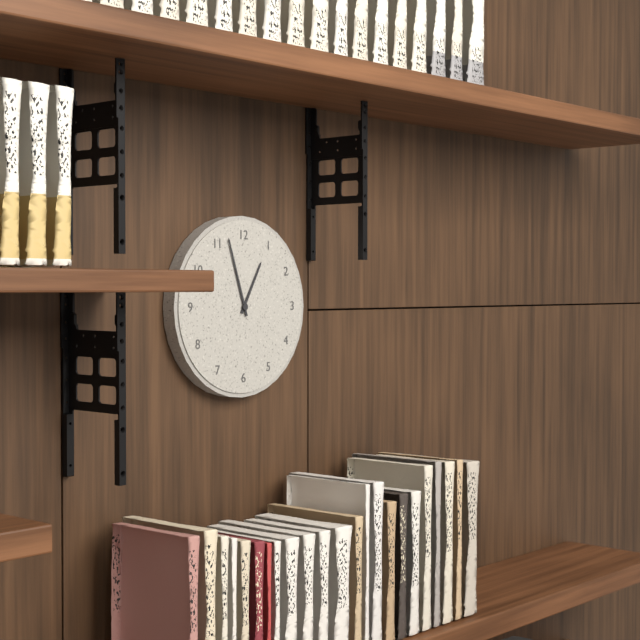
12.57
